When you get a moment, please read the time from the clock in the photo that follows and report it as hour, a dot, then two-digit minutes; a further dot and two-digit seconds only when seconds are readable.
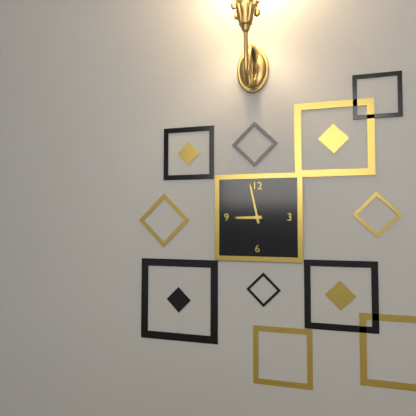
8.58
